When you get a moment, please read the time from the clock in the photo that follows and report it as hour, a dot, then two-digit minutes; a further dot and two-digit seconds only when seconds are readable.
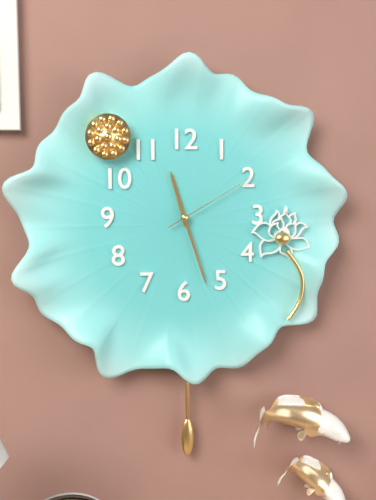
11.27.10
